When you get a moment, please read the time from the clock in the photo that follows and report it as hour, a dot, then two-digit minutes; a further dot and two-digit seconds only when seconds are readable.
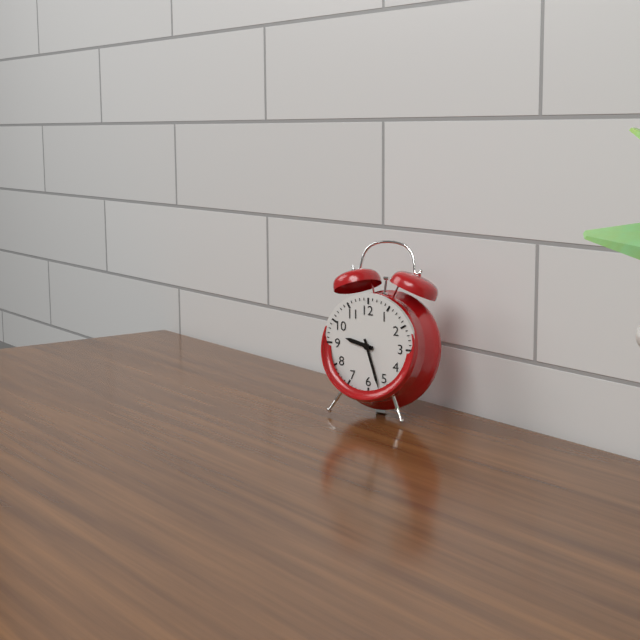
9.27
